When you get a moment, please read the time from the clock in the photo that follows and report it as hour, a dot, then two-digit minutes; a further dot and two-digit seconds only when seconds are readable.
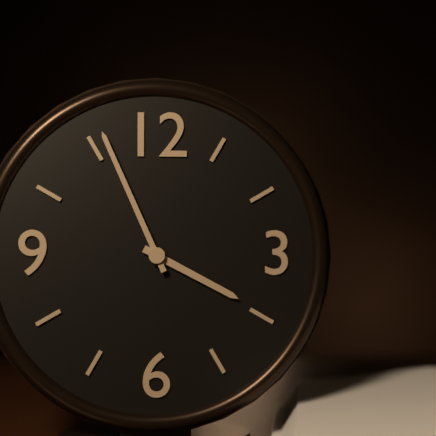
3.56
